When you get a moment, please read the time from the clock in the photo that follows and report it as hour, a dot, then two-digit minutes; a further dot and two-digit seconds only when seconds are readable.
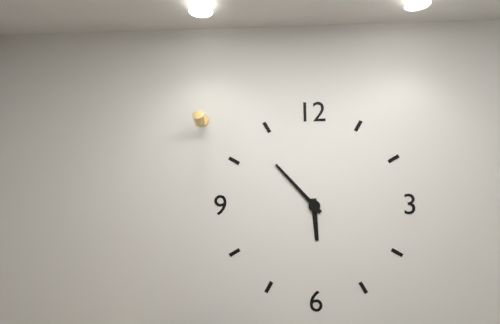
5.53
